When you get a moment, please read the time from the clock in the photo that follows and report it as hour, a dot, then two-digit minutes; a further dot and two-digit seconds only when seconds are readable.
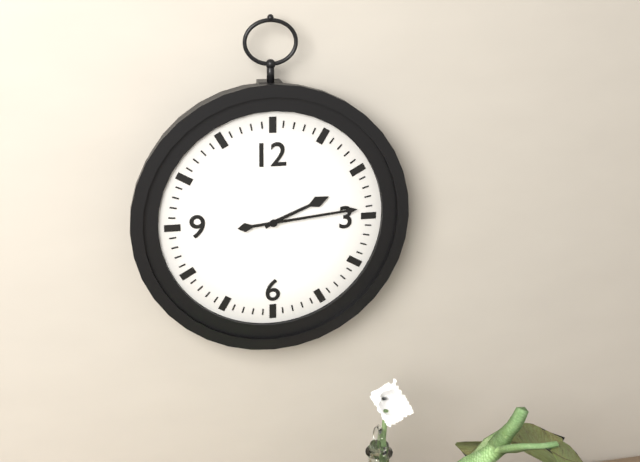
2.14
